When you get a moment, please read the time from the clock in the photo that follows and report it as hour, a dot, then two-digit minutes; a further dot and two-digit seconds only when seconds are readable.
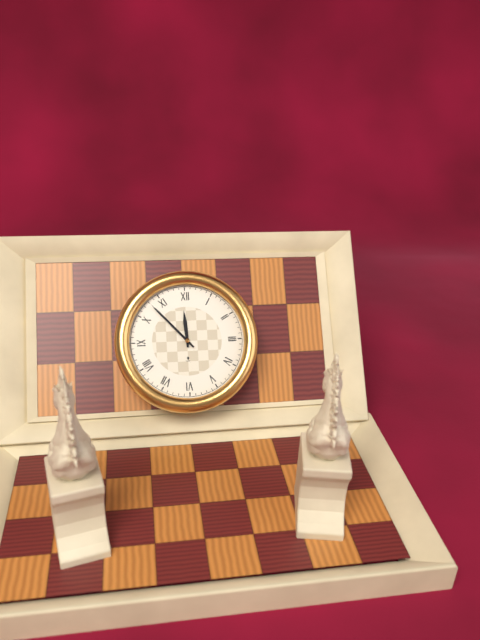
11.53
